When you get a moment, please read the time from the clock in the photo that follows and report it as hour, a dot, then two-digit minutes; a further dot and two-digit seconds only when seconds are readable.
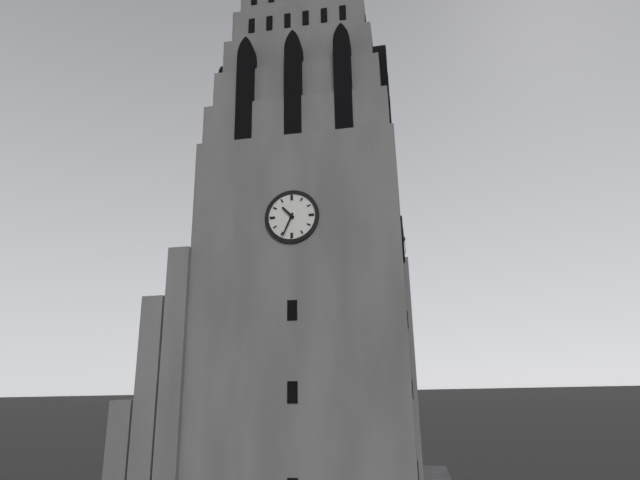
10.34
